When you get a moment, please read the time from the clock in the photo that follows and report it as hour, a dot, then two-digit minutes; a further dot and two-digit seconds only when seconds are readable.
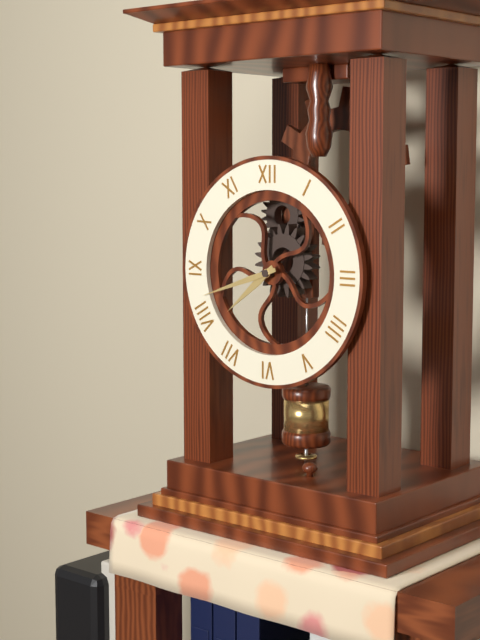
7.42
